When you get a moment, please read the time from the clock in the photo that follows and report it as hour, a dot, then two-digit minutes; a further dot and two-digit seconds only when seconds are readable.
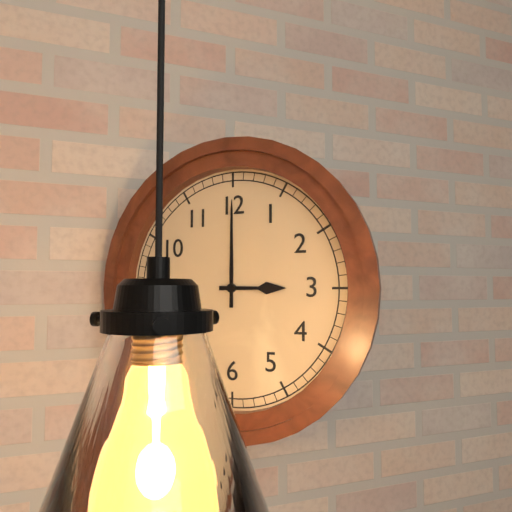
3.00
